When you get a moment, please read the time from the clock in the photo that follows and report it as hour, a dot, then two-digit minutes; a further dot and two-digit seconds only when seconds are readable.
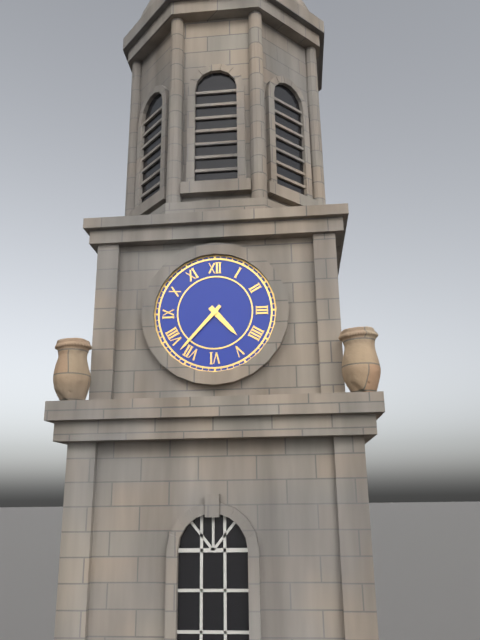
4.37
